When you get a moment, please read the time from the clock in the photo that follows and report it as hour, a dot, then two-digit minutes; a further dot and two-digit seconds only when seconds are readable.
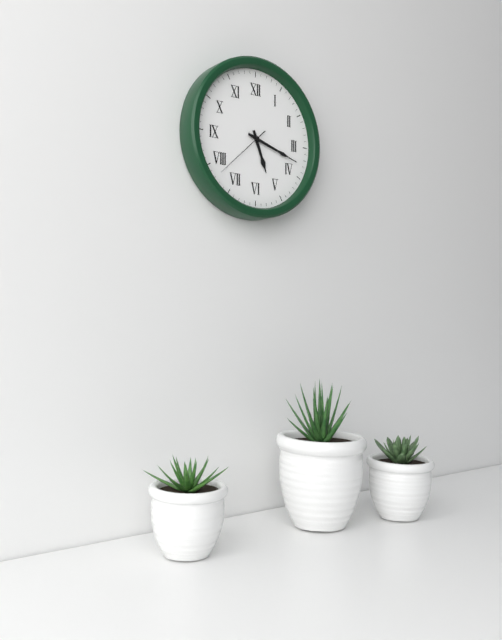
5.18.38
